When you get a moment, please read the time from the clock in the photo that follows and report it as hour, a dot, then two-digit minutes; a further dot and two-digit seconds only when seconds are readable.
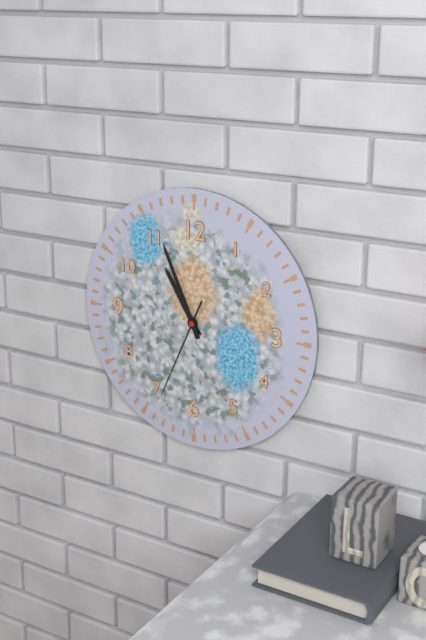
10.56.34
